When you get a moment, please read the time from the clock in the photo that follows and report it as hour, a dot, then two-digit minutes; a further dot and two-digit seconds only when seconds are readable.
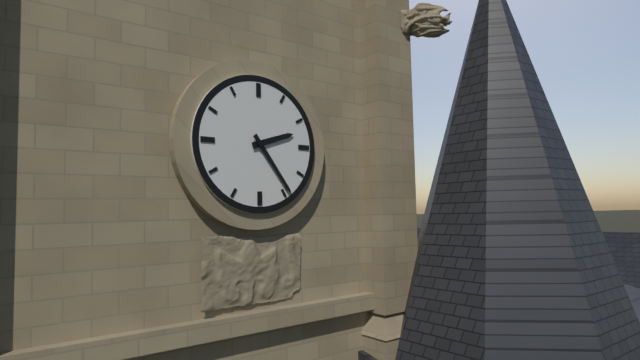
2.24
